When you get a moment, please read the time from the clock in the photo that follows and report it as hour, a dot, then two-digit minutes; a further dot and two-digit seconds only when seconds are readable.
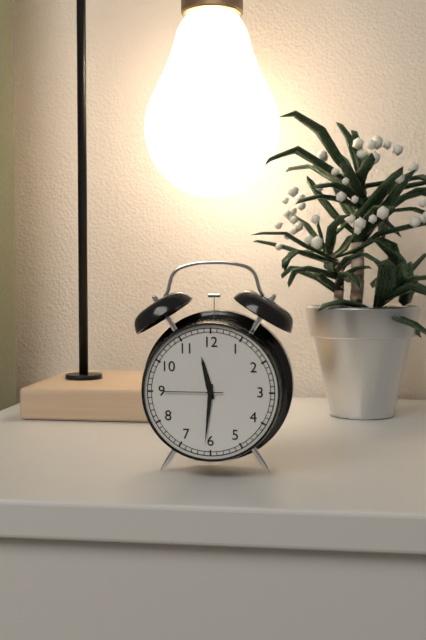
11.31.45
